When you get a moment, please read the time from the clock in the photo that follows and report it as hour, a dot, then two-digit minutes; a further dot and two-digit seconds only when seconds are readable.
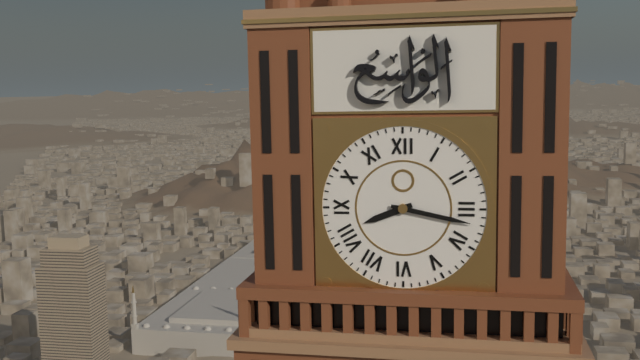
8.17
